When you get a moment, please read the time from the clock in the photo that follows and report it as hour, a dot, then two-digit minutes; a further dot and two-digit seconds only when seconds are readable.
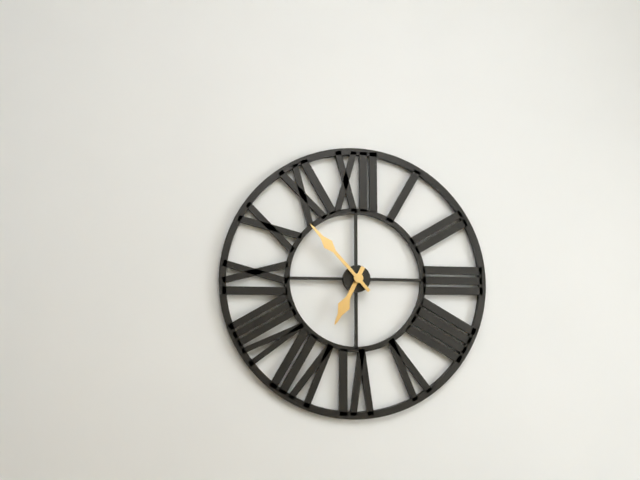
6.53
